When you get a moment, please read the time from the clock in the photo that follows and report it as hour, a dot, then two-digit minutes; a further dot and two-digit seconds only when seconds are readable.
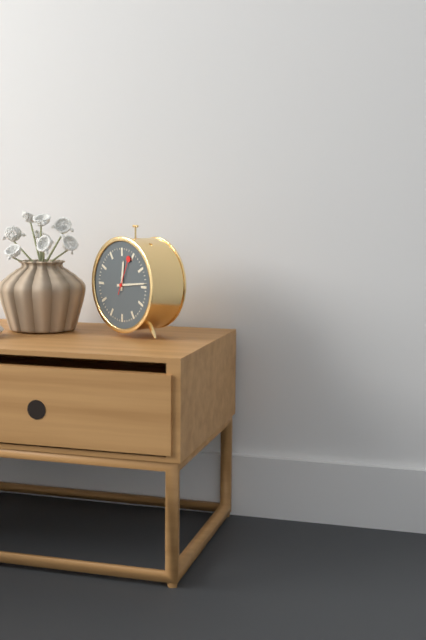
12.14
